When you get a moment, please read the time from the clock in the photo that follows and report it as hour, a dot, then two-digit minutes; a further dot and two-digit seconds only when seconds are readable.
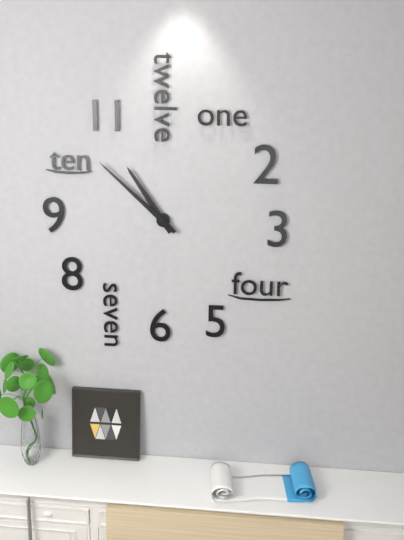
10.52
